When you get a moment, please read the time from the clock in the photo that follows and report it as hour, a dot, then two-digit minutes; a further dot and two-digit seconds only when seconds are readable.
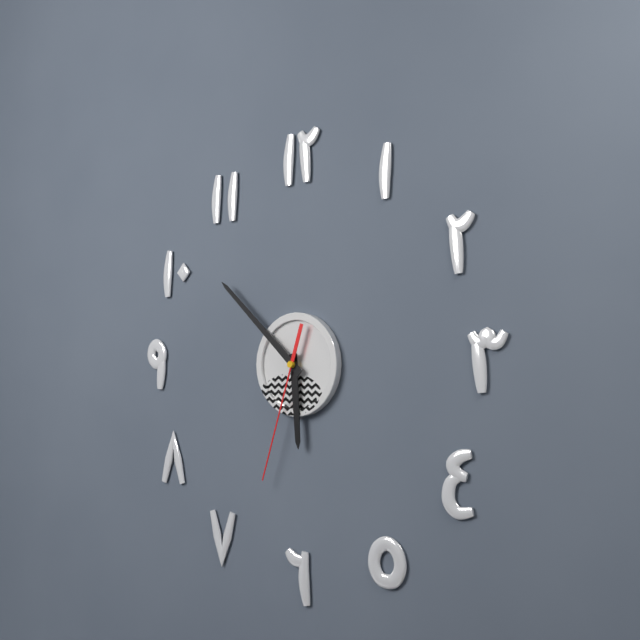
5.52.33
